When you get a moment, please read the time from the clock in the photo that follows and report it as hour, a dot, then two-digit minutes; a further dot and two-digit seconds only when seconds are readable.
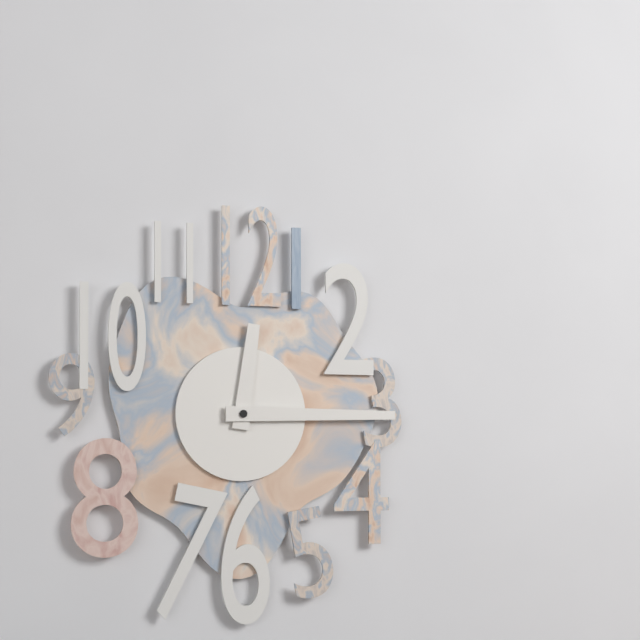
12.15
